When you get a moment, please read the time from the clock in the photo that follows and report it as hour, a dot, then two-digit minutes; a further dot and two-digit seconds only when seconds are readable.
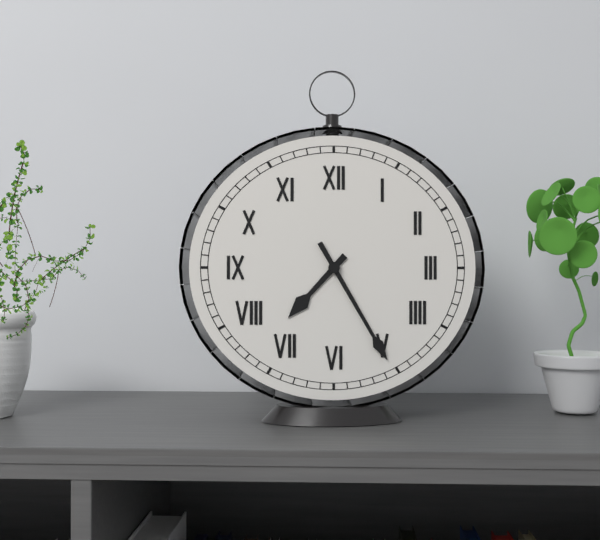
7.25
